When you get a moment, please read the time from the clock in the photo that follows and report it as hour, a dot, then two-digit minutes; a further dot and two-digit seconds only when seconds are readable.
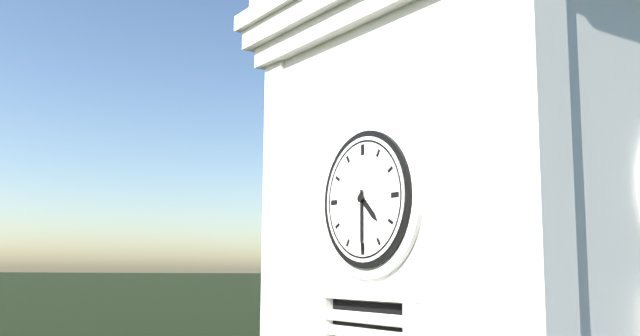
4.30
